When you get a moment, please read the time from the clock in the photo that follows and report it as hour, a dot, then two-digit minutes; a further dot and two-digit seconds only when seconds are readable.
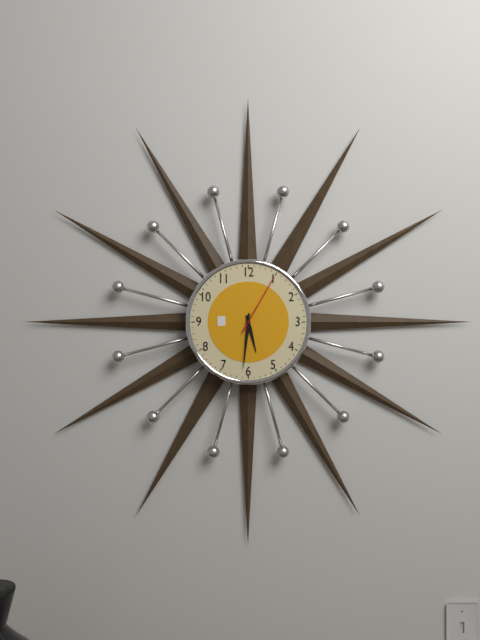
5.31.05
